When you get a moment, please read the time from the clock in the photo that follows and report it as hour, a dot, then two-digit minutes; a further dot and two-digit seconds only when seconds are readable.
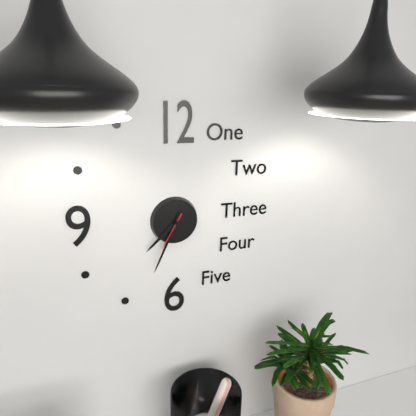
7.34
